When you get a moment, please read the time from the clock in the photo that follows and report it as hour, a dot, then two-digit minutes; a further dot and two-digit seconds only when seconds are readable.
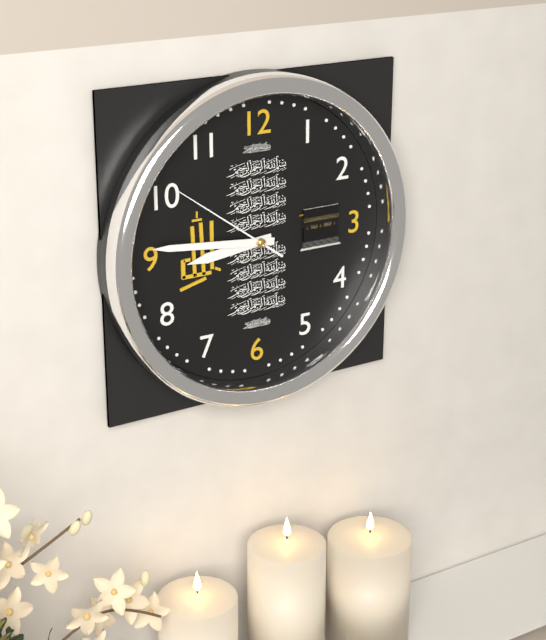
8.46.51
